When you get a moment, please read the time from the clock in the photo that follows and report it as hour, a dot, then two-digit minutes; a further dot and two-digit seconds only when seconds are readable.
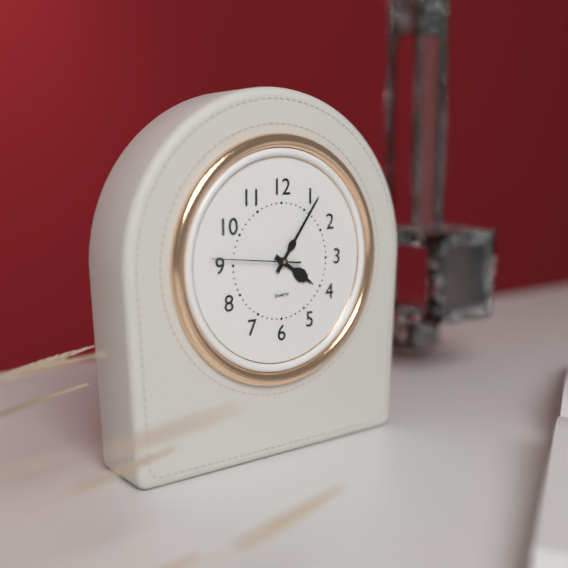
4.06.46
